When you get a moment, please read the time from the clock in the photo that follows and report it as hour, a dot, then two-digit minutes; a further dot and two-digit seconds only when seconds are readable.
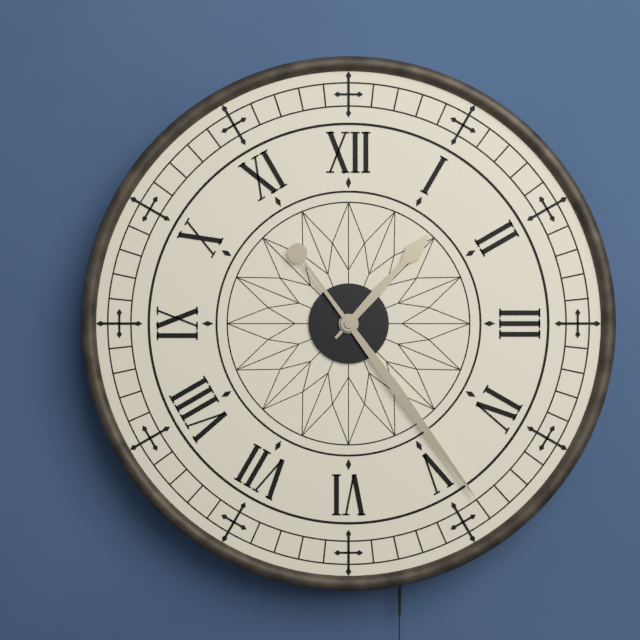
1.24
